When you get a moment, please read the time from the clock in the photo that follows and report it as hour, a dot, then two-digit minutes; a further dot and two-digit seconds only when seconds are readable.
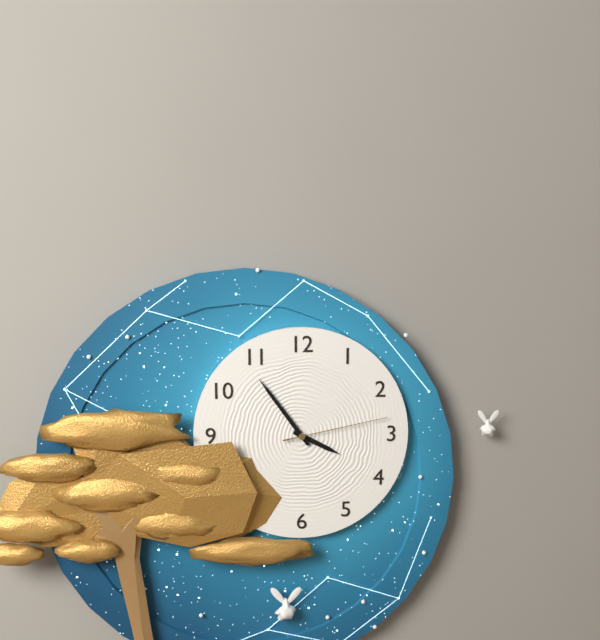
3.54.13
